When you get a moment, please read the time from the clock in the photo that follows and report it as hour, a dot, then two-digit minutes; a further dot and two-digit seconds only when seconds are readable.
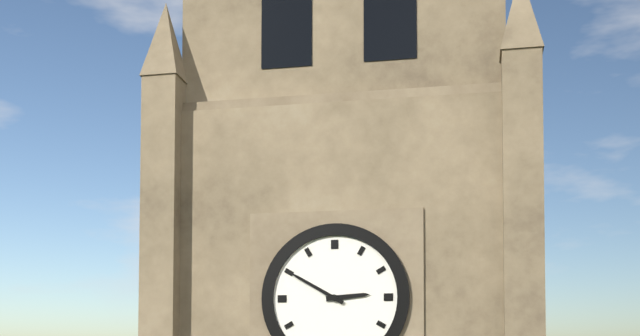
2.50
